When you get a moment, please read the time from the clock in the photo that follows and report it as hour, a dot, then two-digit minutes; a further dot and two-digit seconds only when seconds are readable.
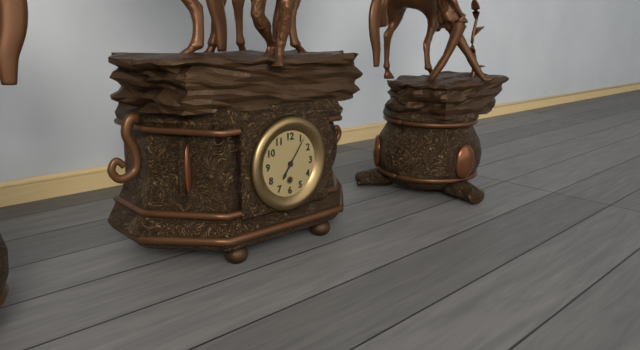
7.06
